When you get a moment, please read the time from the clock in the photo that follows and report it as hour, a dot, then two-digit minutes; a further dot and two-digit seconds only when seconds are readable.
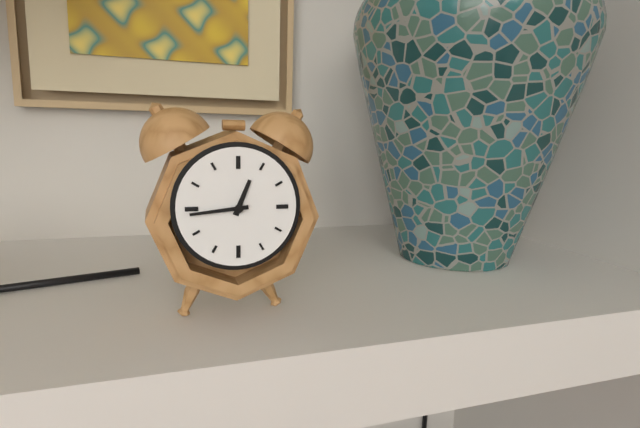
12.44
